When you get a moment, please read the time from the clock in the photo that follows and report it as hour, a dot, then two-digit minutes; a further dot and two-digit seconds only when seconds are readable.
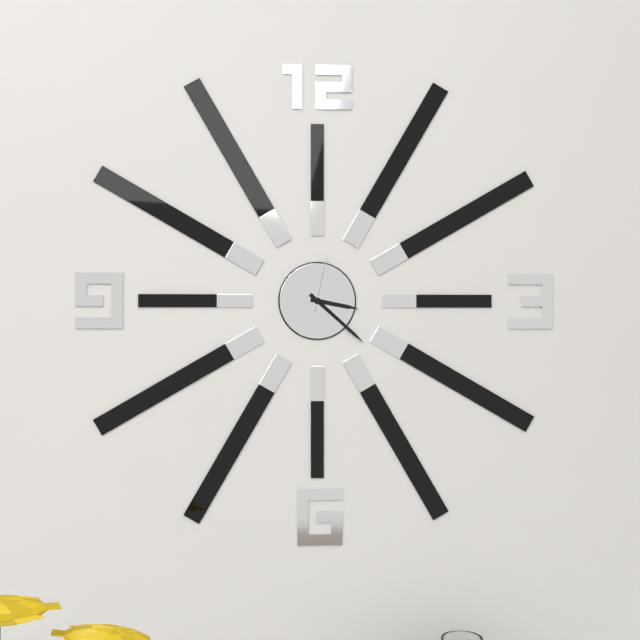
3.22.02
